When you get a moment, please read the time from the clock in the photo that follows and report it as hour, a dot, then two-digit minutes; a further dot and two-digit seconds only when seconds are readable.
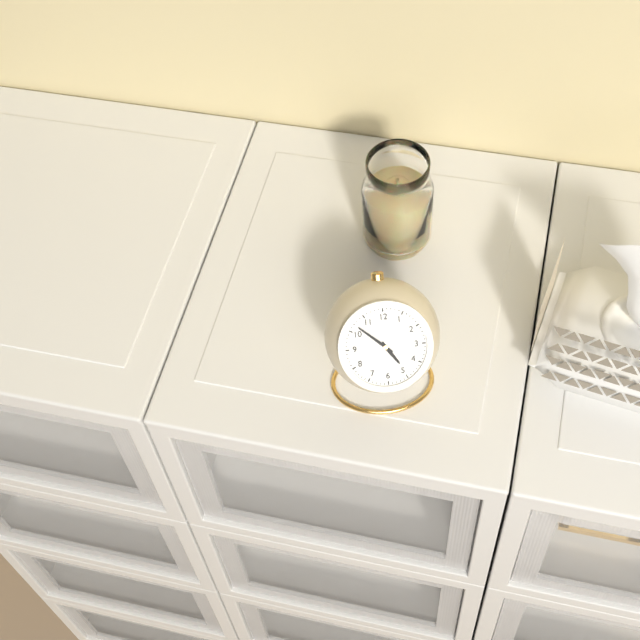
4.52
